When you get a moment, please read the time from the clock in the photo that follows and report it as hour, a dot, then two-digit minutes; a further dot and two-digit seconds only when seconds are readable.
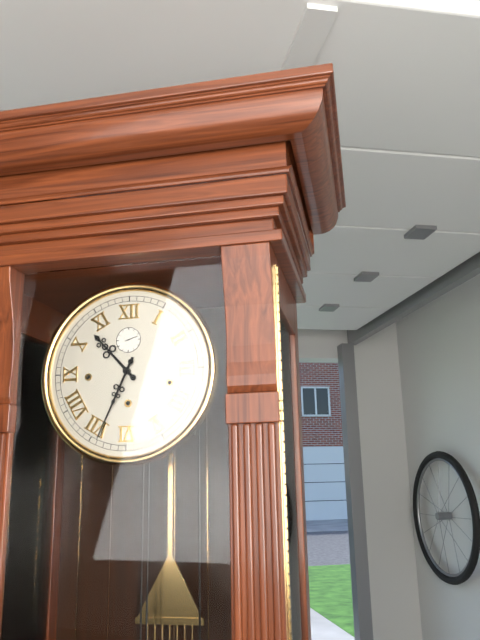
10.34
